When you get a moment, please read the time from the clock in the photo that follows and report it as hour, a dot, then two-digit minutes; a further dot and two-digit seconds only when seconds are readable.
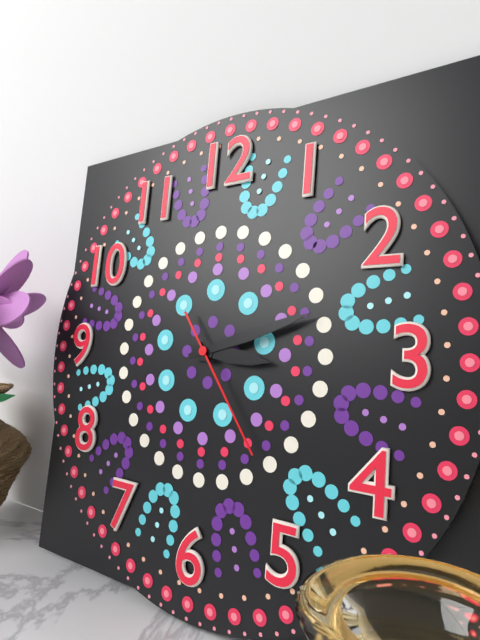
3.12.24
